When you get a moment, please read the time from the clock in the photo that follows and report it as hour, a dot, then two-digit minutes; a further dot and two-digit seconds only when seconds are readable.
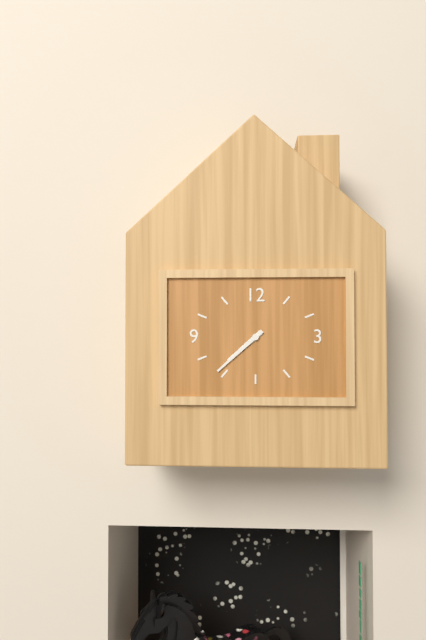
7.38
